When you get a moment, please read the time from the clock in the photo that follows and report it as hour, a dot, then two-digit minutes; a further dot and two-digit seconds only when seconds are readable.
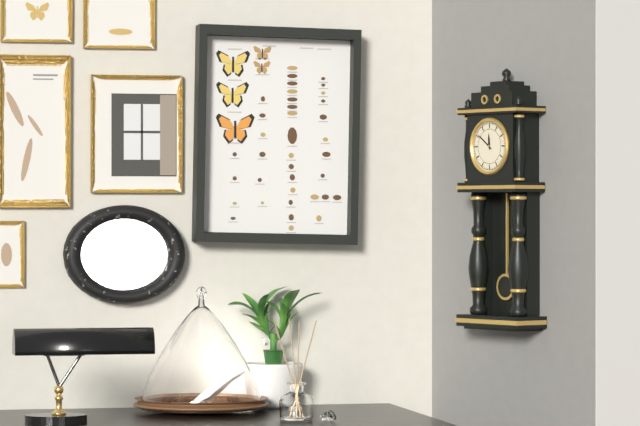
11.51
